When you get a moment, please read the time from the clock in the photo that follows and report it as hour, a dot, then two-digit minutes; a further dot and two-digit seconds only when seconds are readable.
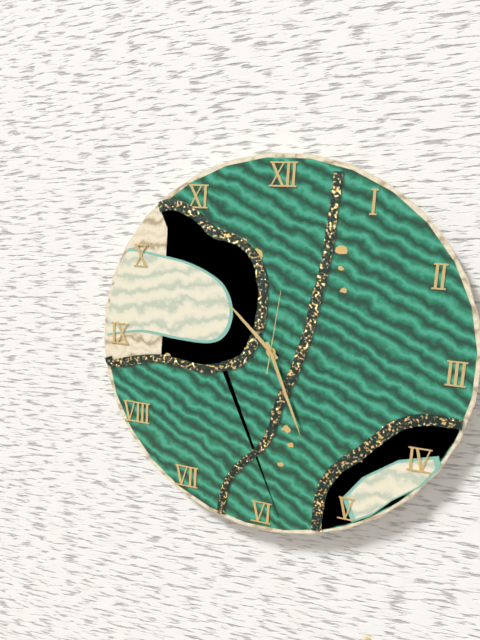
10.26.01
